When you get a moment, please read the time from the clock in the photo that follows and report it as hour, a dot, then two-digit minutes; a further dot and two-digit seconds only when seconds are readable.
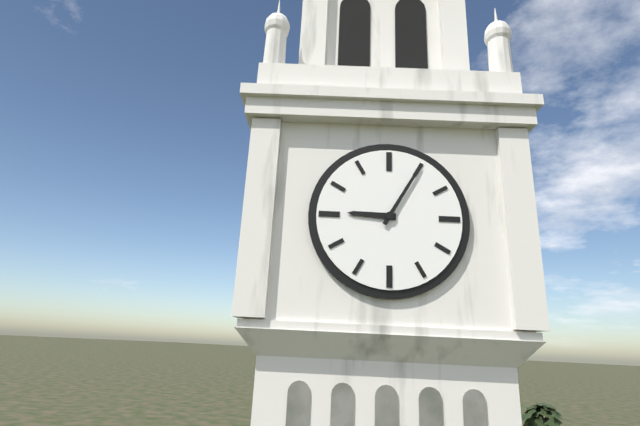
9.05
